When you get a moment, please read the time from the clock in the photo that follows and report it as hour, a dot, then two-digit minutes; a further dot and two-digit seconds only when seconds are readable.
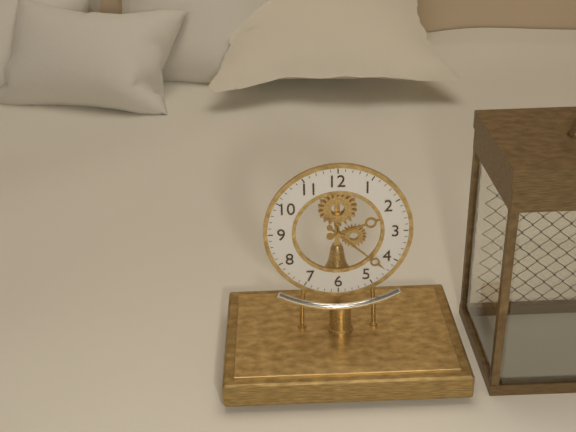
2.22
